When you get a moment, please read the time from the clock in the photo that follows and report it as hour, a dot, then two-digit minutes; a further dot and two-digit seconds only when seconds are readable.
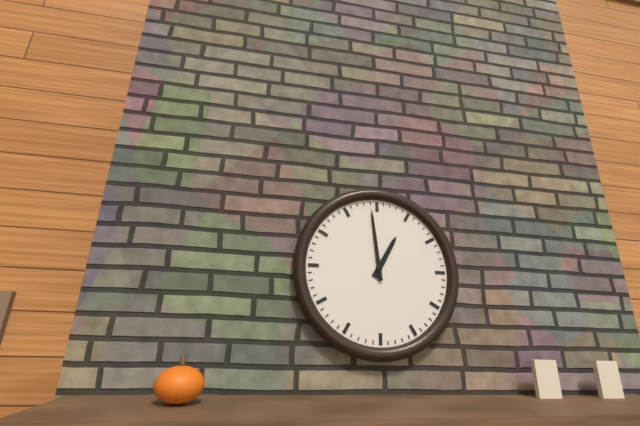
12.59
